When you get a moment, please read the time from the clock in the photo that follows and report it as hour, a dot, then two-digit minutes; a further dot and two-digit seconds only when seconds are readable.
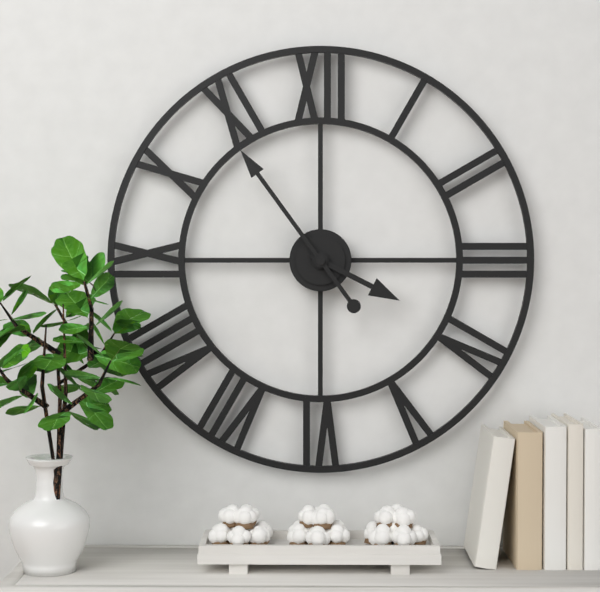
3.54
